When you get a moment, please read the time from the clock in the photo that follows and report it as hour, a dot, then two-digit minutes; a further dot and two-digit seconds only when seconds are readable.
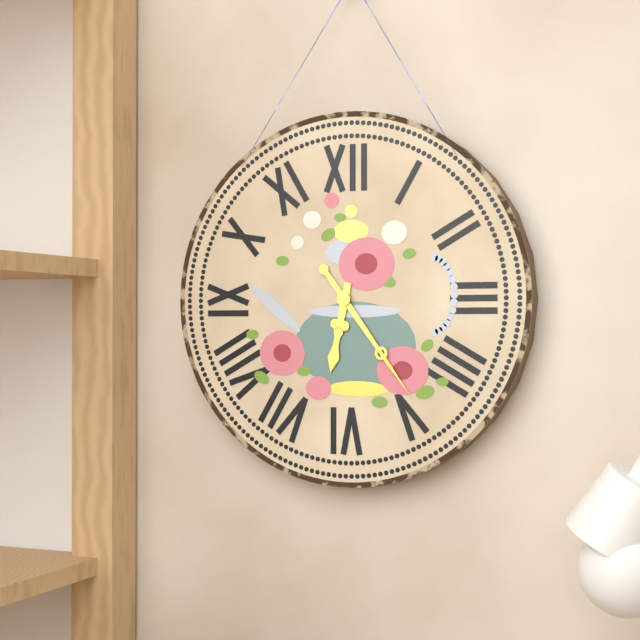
6.24
